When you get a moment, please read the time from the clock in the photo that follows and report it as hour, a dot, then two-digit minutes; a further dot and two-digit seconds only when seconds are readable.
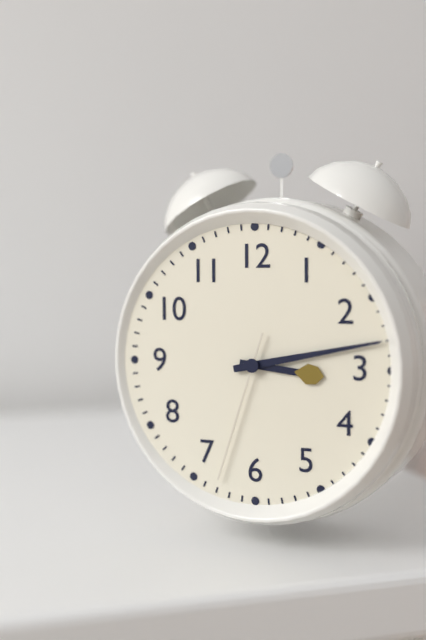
3.13.33
